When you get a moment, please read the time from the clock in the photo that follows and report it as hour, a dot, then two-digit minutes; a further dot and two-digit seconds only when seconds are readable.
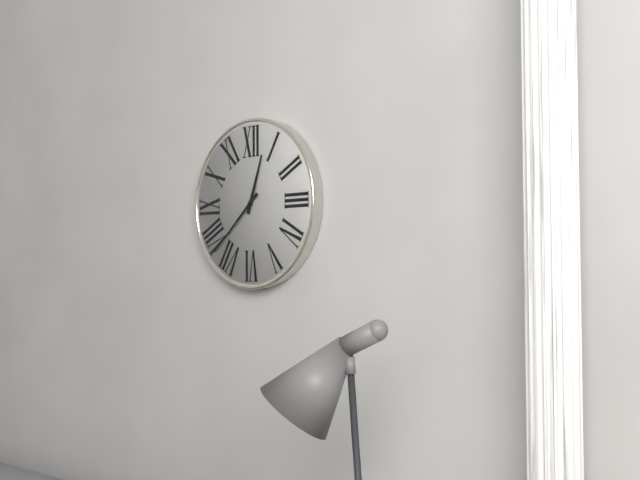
12.38
